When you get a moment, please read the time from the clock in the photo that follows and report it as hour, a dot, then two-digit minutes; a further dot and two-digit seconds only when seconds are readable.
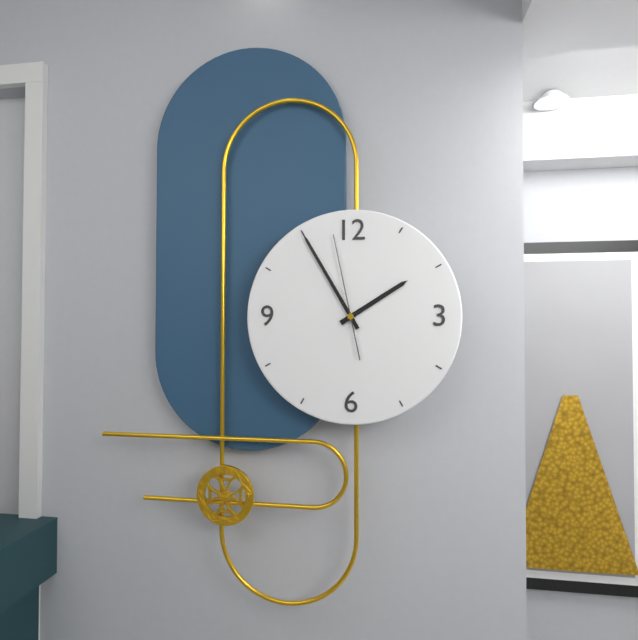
1.55.58
